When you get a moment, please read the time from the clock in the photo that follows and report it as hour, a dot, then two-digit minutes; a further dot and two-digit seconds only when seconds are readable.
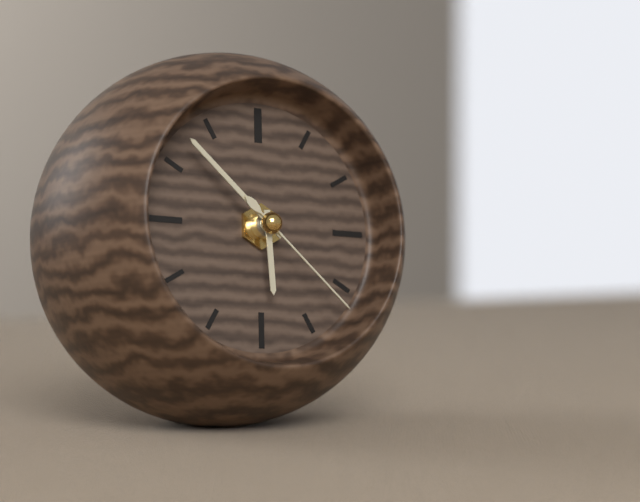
5.52.22
